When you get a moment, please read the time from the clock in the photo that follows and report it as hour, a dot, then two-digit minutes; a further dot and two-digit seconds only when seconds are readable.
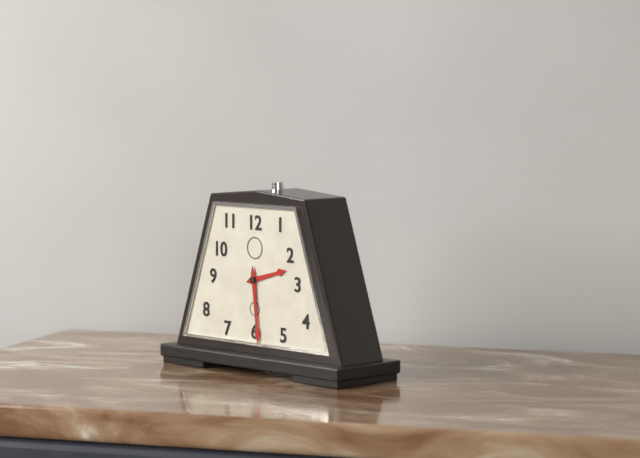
2.29
